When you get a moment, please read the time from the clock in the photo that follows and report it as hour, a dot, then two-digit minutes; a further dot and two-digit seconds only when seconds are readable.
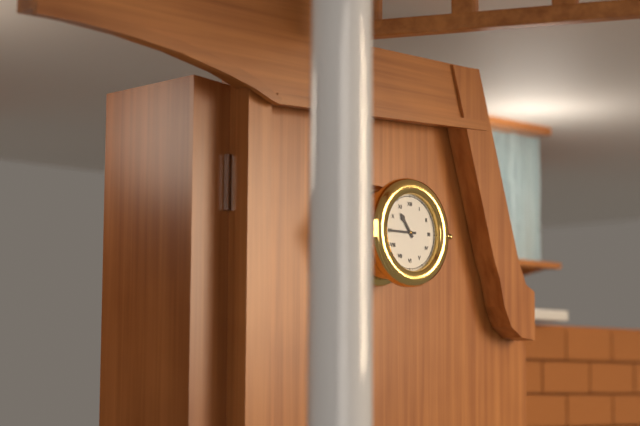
10.45
